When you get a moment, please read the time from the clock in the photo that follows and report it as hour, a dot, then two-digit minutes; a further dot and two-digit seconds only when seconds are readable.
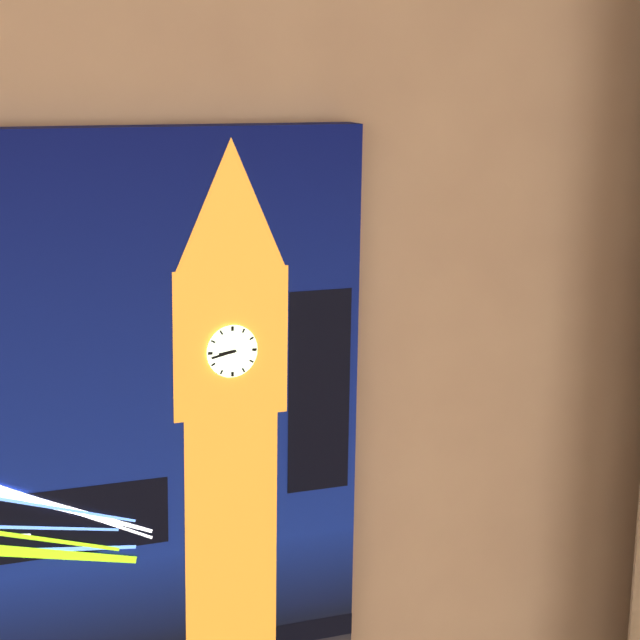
8.43
